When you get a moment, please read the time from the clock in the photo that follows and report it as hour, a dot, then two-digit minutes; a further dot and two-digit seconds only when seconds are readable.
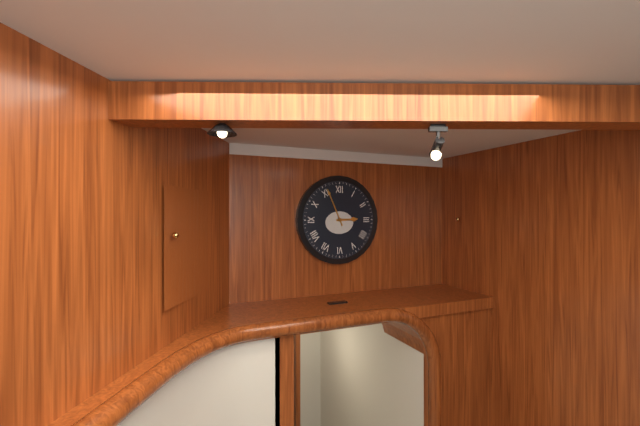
2.56
